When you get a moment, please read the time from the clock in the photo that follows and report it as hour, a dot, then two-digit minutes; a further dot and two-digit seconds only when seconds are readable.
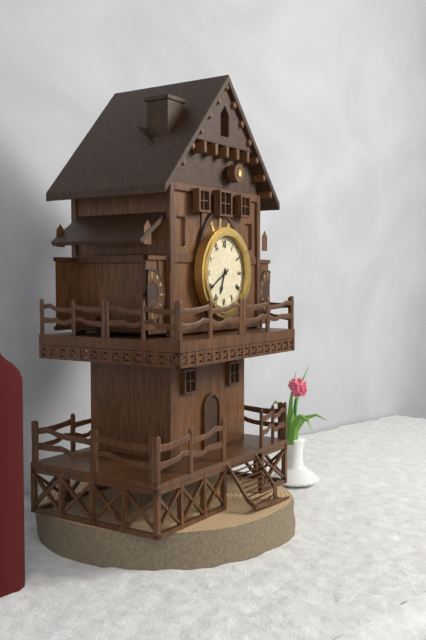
6.40
